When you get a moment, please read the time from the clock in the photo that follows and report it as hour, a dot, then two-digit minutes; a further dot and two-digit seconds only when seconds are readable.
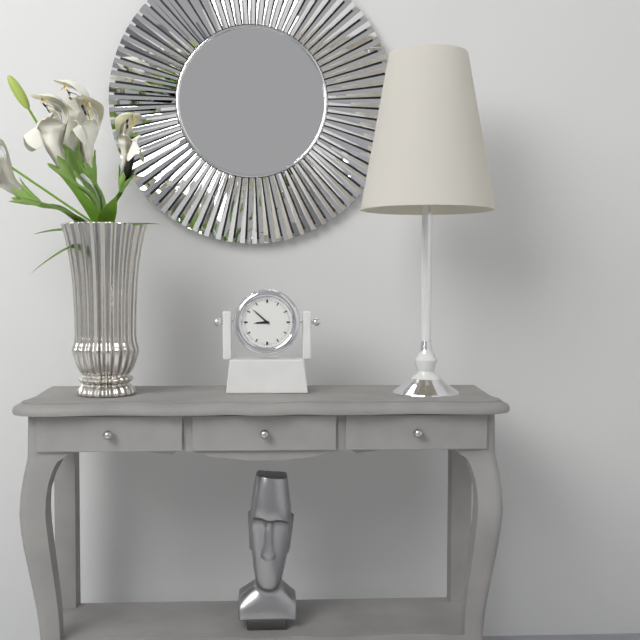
8.52
